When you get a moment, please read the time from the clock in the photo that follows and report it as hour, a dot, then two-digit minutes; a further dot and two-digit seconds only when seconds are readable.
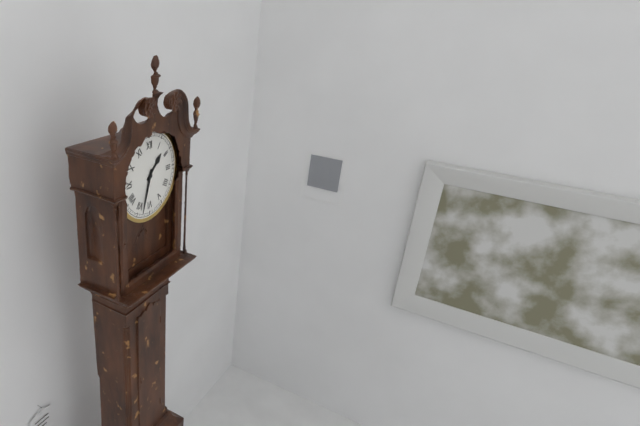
1.33
